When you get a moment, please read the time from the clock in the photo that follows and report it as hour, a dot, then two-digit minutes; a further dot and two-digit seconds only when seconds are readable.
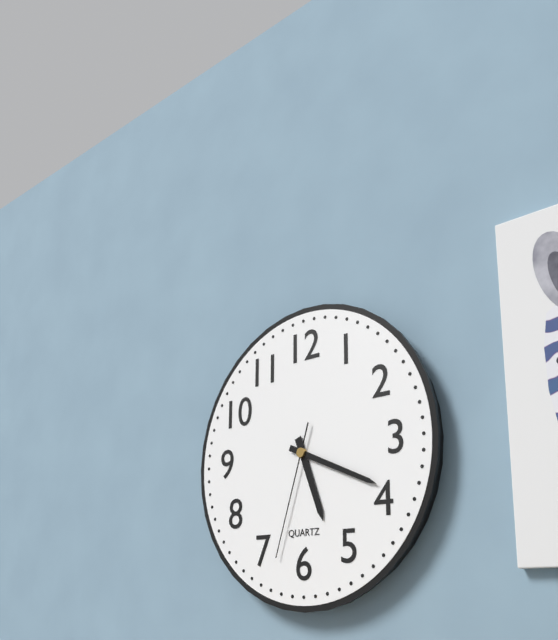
5.19.33
